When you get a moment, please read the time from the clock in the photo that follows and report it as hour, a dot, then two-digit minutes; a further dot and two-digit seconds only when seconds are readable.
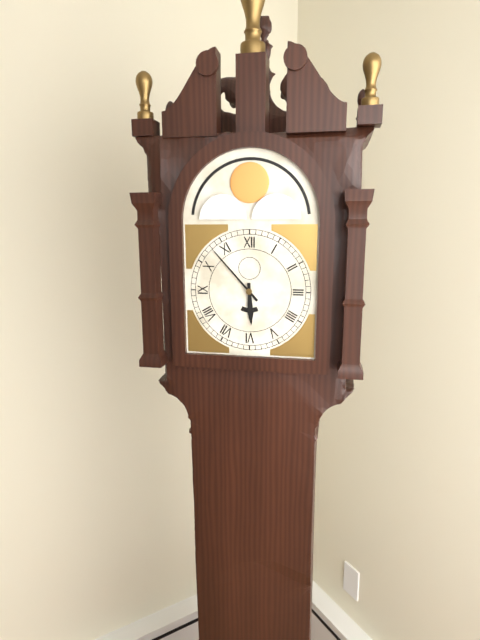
5.53
